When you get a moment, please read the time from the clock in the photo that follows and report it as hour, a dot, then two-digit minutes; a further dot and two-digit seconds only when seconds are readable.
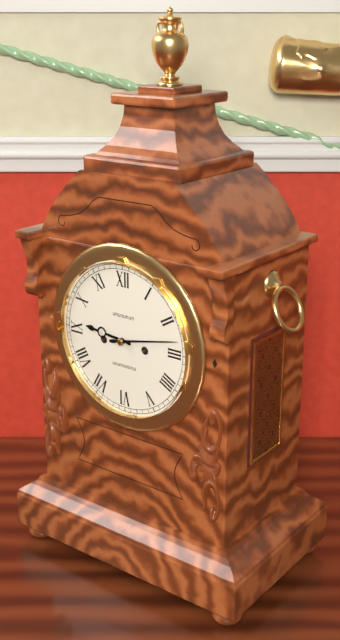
9.13
